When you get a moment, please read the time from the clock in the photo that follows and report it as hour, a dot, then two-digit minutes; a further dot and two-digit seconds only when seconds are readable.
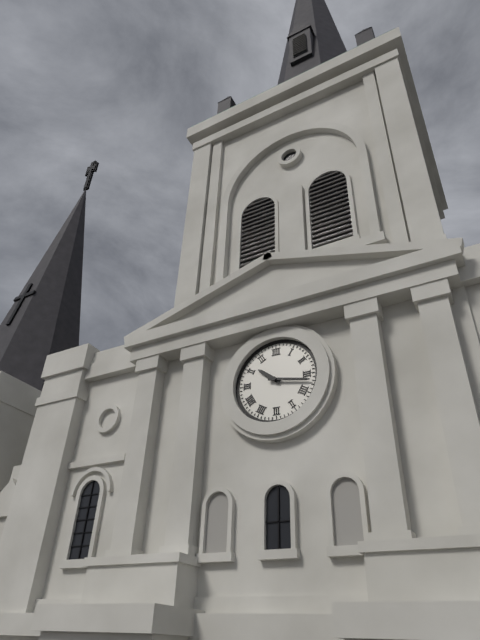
10.17
